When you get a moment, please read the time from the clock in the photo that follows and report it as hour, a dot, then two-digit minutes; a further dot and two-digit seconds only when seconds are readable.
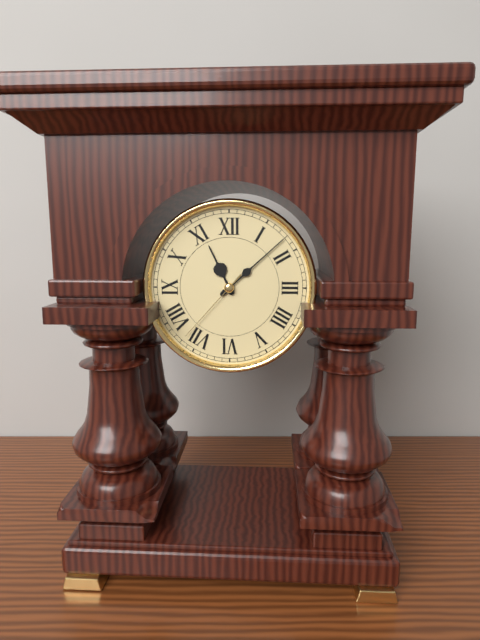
11.08.37
